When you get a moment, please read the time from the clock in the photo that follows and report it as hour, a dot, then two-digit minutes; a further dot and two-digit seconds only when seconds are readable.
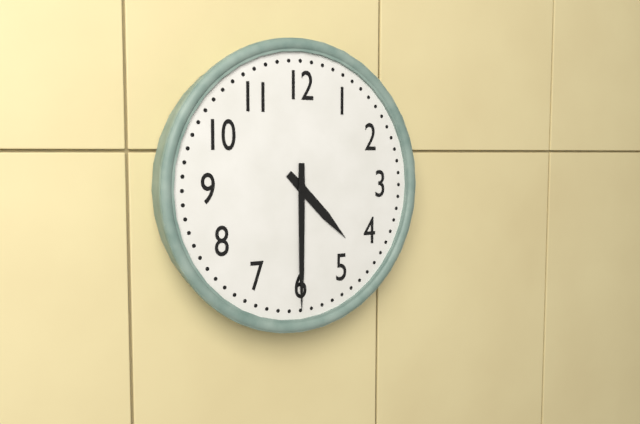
4.30
